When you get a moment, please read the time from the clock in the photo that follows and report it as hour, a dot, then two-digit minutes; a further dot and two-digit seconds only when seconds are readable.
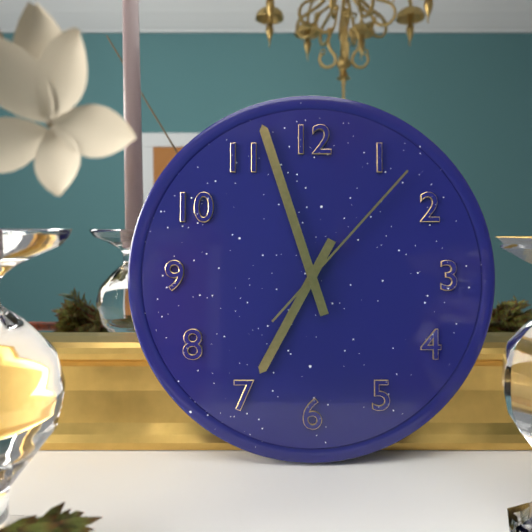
6.57.07
